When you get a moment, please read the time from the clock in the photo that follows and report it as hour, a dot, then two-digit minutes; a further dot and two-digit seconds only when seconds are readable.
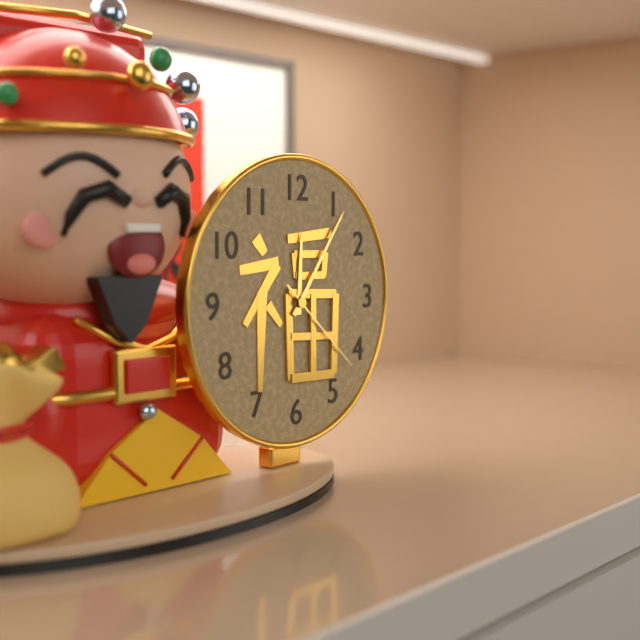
12.06.22
